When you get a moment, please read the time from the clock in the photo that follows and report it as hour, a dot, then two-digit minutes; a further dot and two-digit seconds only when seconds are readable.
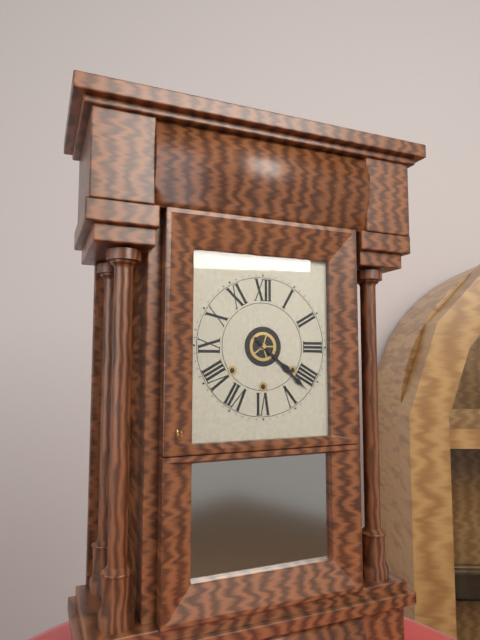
4.22
